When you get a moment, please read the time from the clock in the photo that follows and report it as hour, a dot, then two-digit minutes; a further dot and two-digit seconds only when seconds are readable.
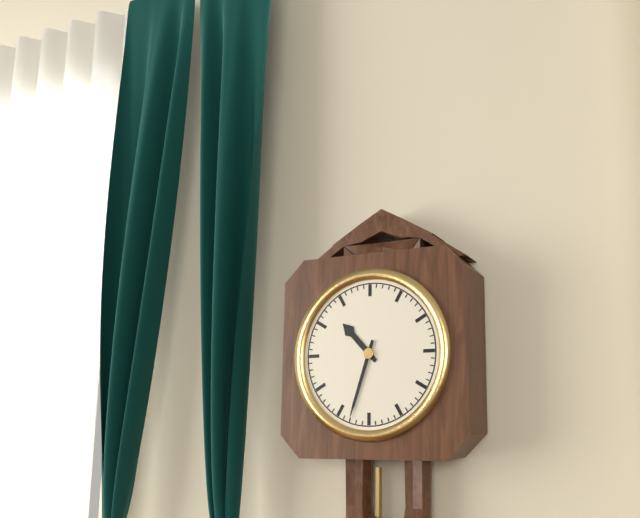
10.33
